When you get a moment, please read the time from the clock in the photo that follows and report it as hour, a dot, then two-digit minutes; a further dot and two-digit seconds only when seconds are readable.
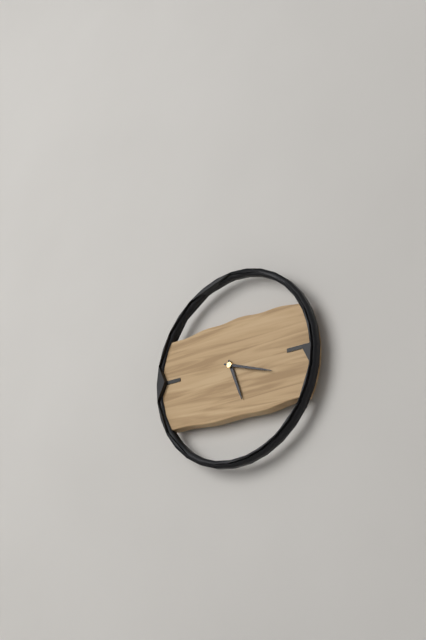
5.18
